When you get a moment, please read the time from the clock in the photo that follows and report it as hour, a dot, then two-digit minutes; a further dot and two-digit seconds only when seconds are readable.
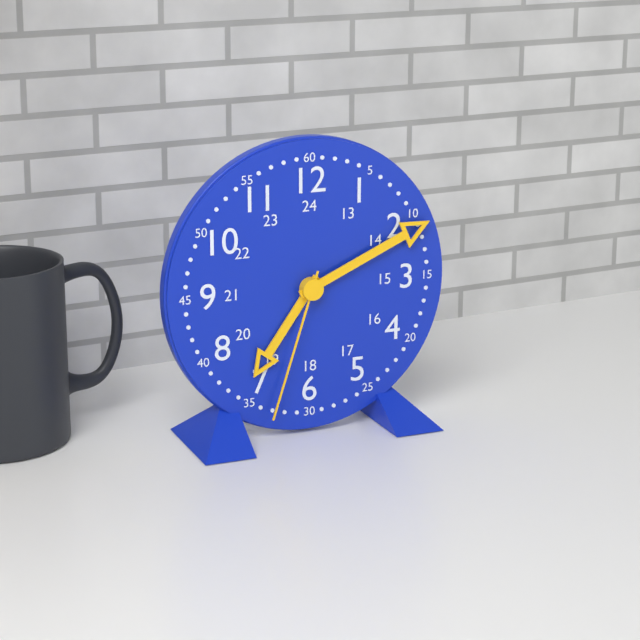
7.11.33
